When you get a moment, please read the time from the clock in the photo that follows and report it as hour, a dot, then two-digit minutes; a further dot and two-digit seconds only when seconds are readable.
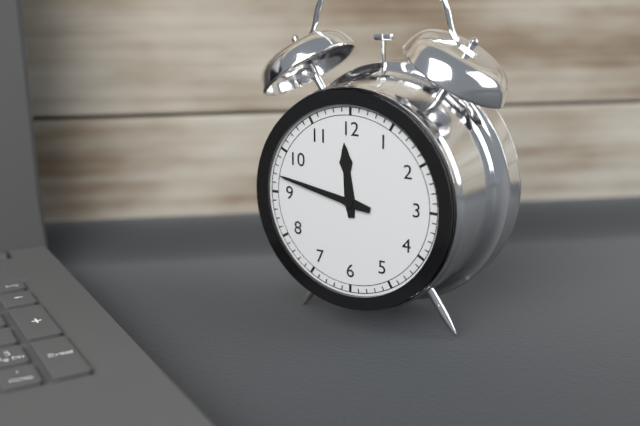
11.47
